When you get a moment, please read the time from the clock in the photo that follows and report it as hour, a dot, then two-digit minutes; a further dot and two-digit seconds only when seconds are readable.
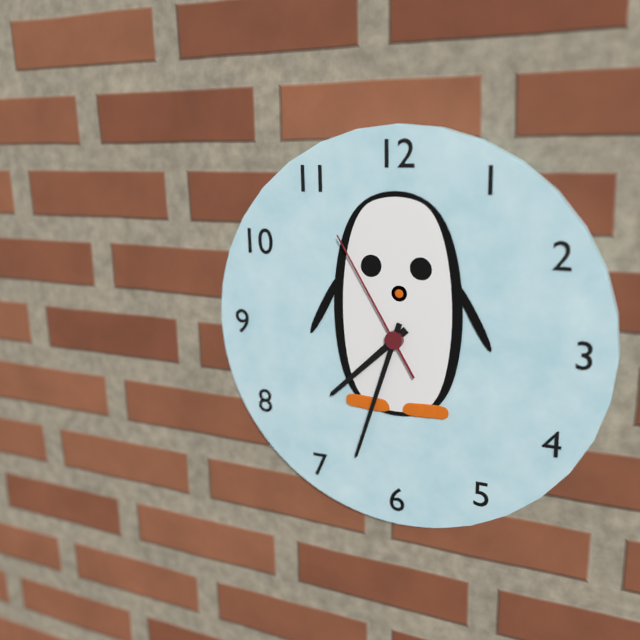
7.33.55
